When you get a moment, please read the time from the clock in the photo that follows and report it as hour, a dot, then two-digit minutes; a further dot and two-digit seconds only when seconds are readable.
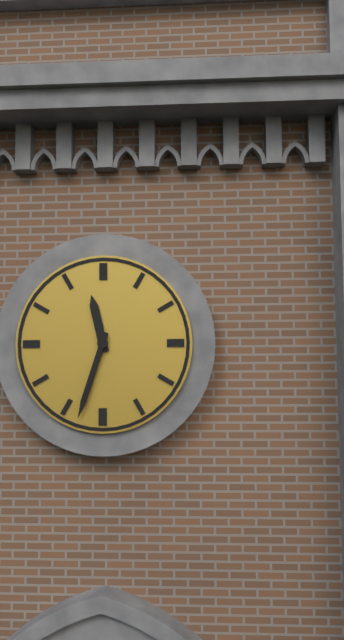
11.33
